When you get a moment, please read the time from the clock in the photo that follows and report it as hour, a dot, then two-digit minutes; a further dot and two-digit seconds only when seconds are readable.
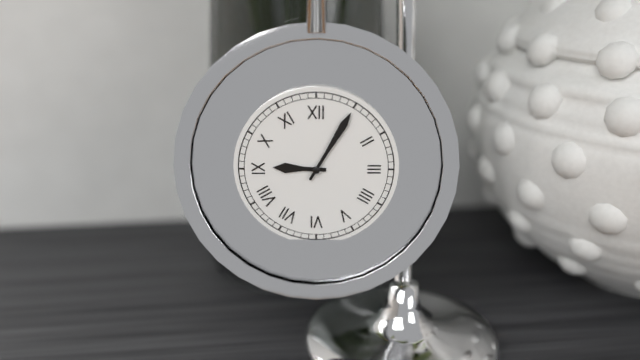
9.05
